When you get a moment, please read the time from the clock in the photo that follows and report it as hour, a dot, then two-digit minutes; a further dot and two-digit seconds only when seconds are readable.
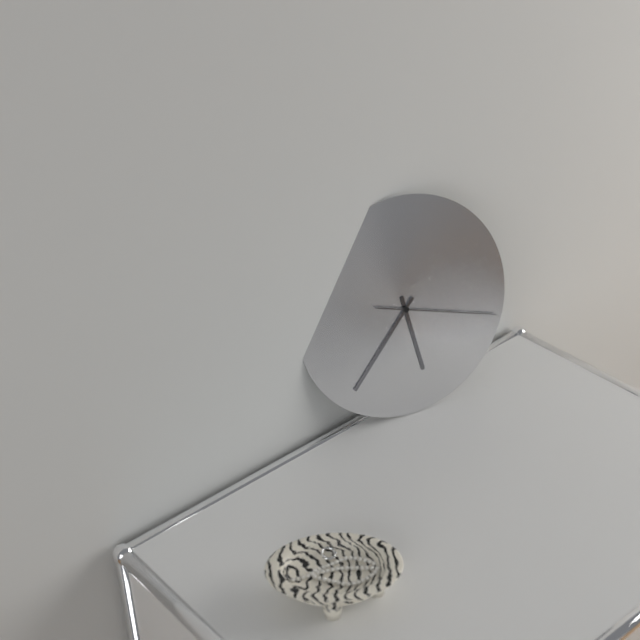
5.37.18
